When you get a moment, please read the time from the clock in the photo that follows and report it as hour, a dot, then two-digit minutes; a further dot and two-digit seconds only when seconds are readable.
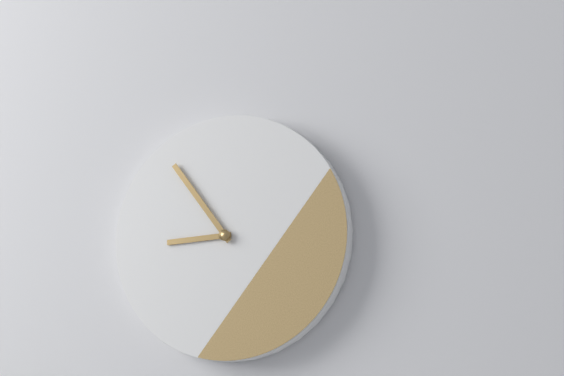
8.54
